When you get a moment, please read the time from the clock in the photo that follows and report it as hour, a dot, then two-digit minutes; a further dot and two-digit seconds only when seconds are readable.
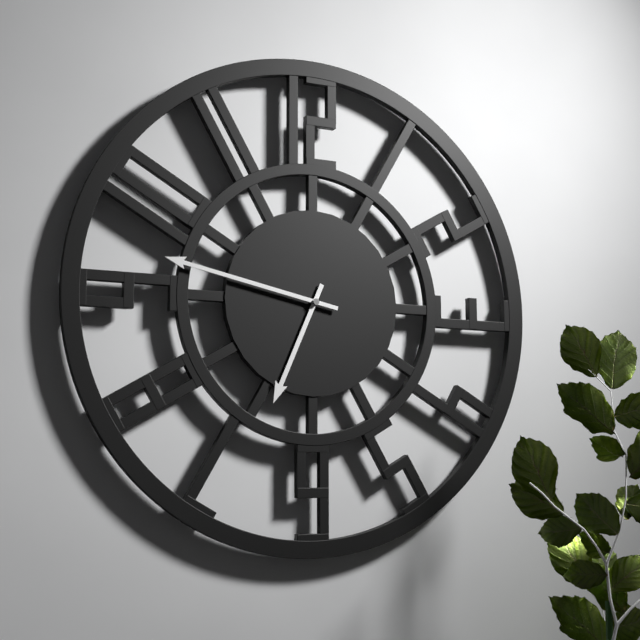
6.47
